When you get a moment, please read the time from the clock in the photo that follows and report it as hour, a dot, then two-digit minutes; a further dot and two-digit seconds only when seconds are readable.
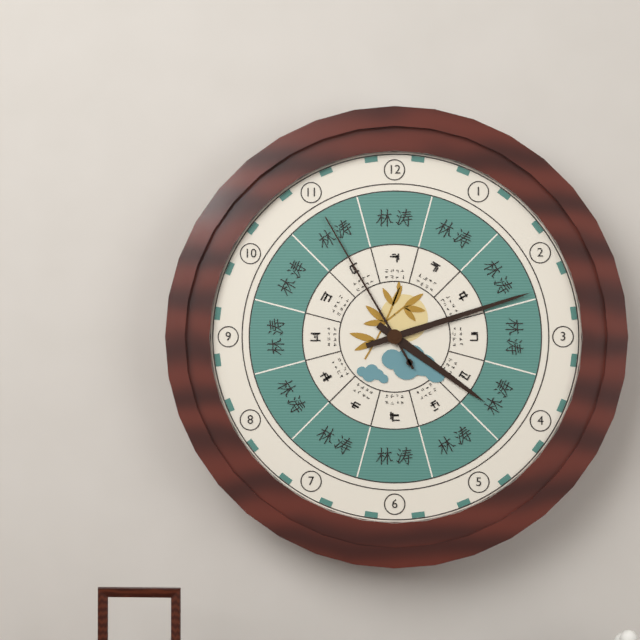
4.12.55
